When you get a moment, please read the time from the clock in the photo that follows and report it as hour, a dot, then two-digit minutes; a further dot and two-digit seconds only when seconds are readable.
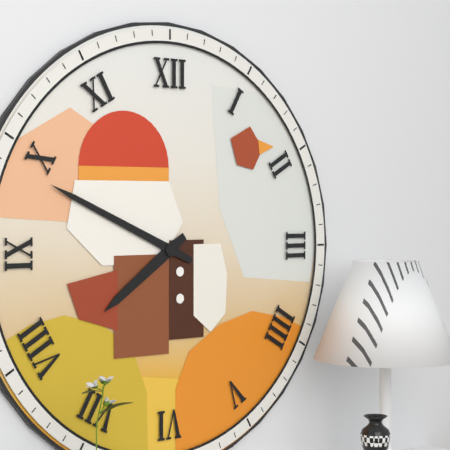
7.49
